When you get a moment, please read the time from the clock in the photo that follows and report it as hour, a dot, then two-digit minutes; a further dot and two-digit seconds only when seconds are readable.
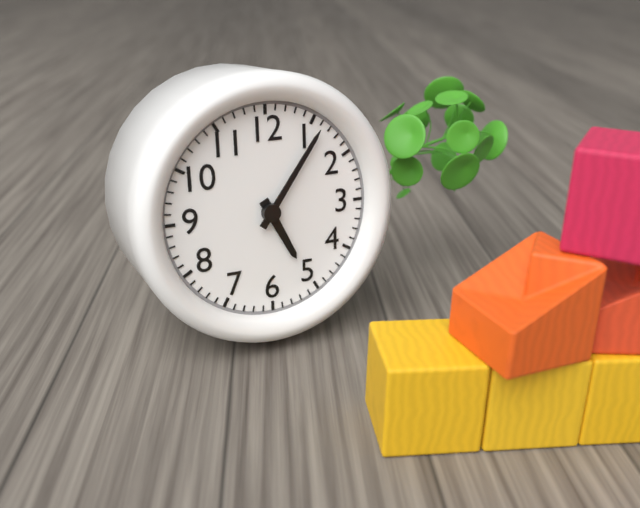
5.06
